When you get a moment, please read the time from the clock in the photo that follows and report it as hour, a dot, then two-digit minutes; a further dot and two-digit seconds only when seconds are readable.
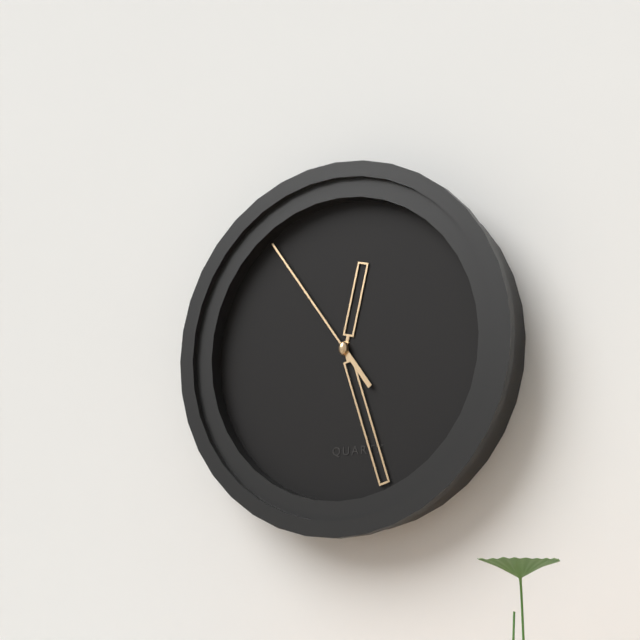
12.27.54
